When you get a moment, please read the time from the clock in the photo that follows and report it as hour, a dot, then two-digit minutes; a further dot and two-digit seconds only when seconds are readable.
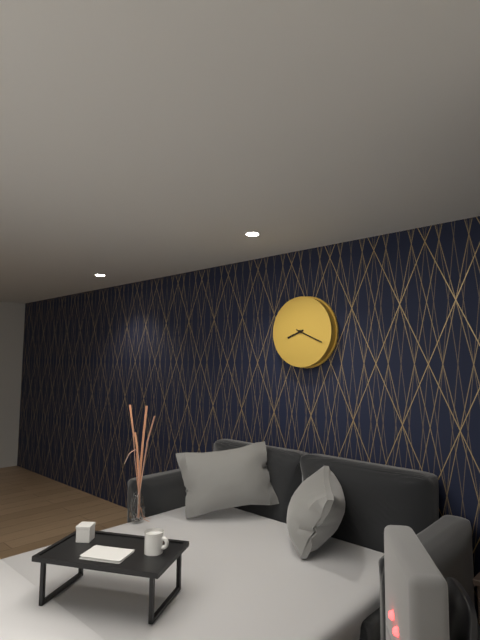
8.19
